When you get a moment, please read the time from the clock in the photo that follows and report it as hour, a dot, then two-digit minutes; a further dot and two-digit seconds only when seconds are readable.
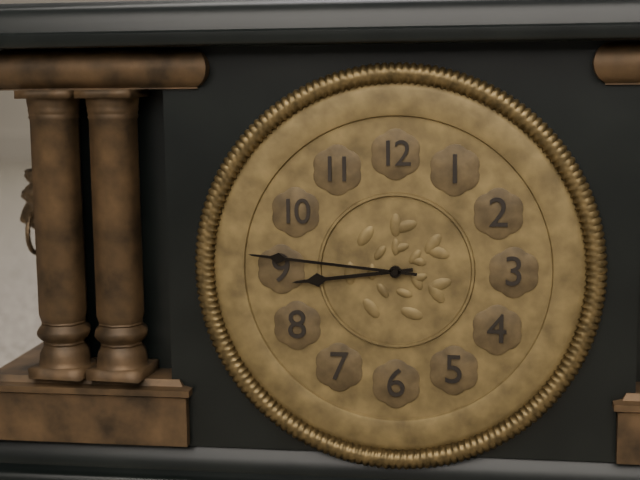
8.46
